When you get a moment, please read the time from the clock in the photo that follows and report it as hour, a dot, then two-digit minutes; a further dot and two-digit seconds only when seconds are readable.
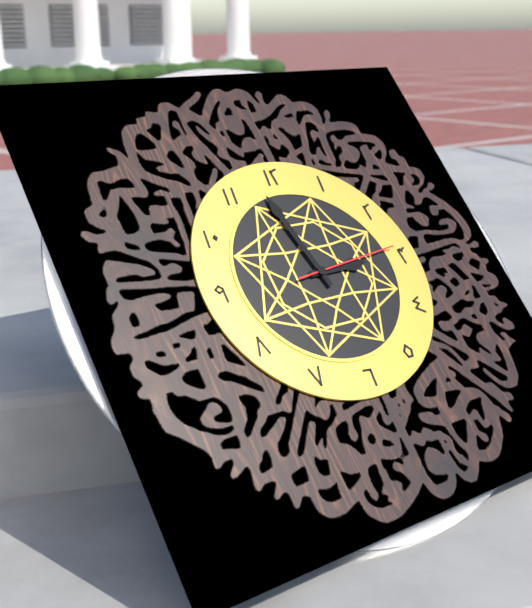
2.58.14
